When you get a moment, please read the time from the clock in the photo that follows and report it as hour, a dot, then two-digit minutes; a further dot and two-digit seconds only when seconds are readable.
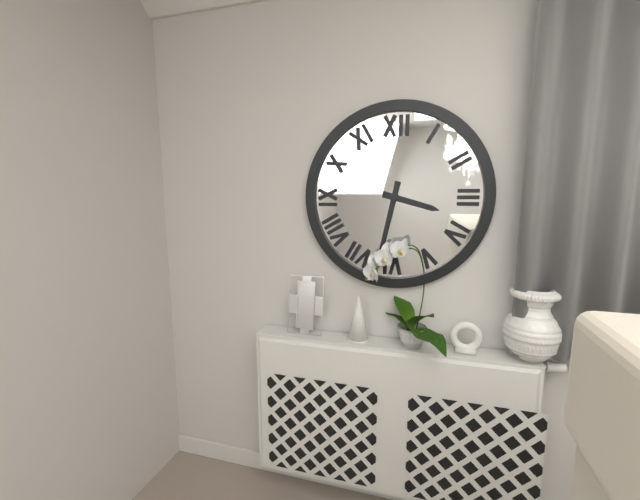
3.32
